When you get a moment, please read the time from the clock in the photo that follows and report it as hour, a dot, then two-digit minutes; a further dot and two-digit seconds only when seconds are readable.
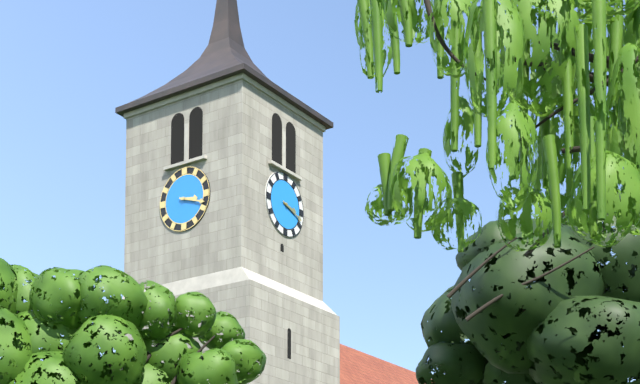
3.18
